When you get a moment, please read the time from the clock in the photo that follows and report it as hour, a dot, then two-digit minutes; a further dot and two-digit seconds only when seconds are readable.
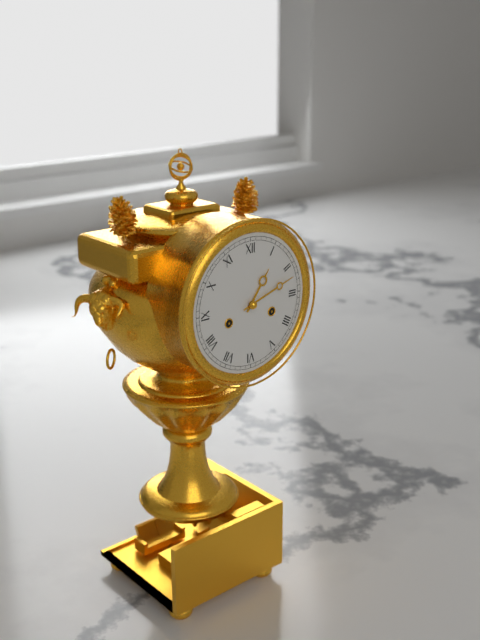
1.12
